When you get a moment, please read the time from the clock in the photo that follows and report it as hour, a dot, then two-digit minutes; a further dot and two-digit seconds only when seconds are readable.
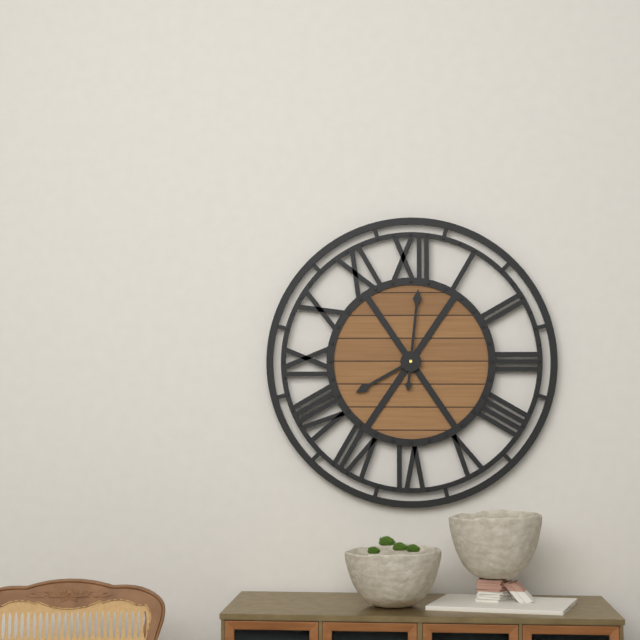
8.01
